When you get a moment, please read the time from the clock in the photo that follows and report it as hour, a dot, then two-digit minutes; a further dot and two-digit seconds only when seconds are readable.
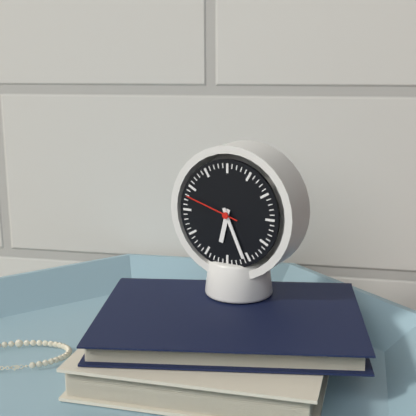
6.26.48
